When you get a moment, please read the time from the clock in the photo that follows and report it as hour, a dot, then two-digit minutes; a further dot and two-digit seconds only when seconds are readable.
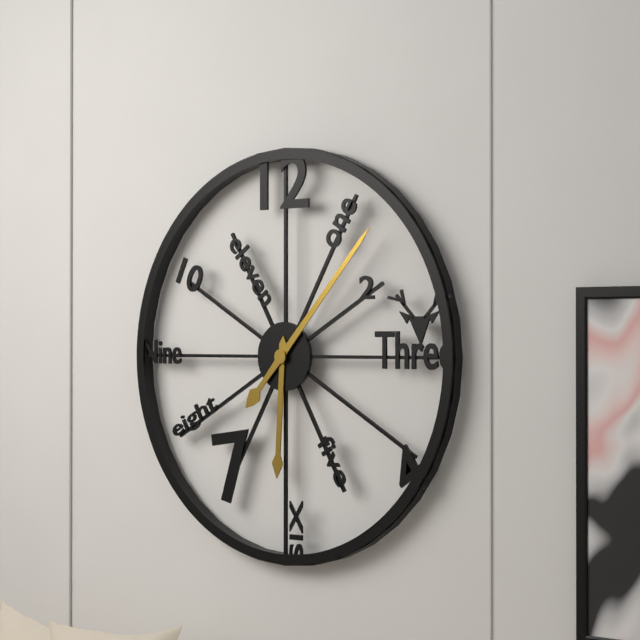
6.07
